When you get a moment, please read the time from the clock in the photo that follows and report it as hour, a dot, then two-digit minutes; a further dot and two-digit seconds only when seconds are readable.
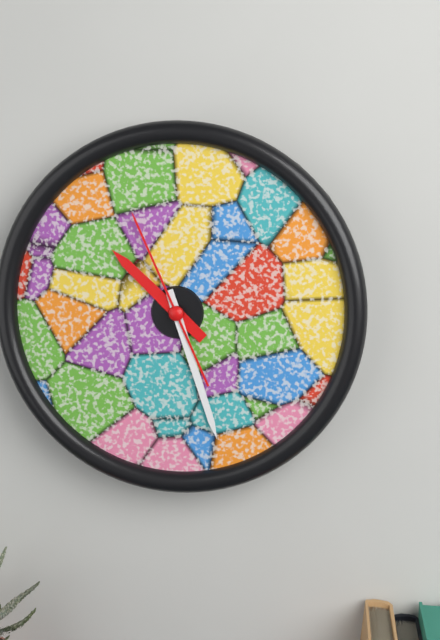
10.27.56
